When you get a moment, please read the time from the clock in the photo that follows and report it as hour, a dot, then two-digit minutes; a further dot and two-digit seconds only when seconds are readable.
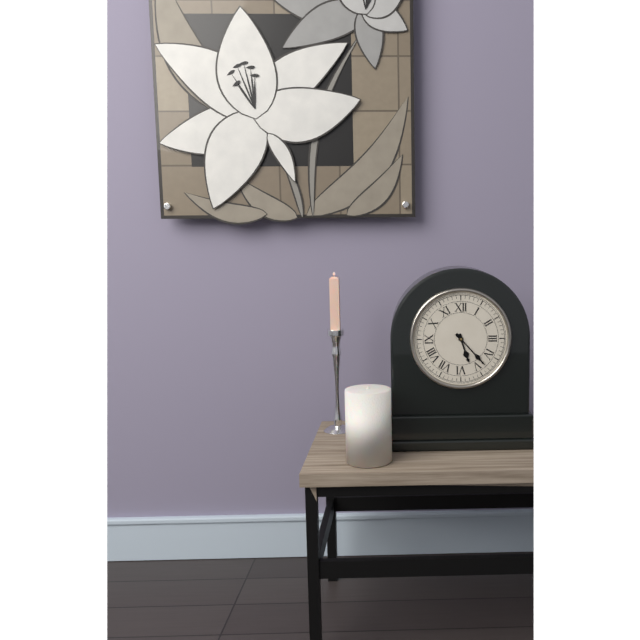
5.23
